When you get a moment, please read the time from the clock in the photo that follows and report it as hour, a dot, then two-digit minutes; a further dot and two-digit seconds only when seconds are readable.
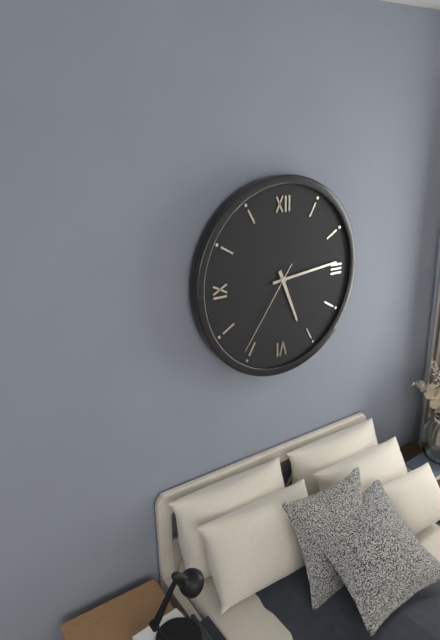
5.14.36
